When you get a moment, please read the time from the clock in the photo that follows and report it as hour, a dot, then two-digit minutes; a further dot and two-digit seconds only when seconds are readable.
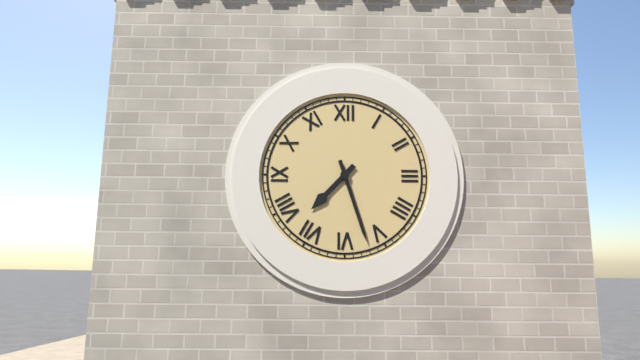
7.27
